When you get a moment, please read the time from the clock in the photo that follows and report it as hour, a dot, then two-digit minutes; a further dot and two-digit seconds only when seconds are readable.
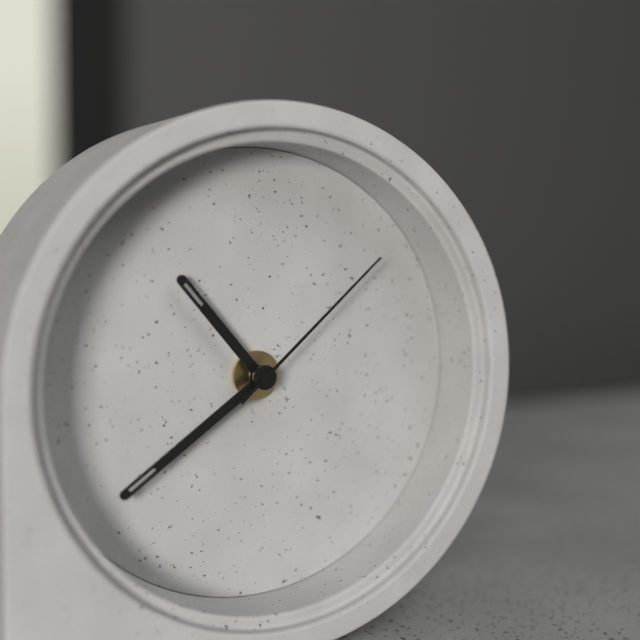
10.39.08
